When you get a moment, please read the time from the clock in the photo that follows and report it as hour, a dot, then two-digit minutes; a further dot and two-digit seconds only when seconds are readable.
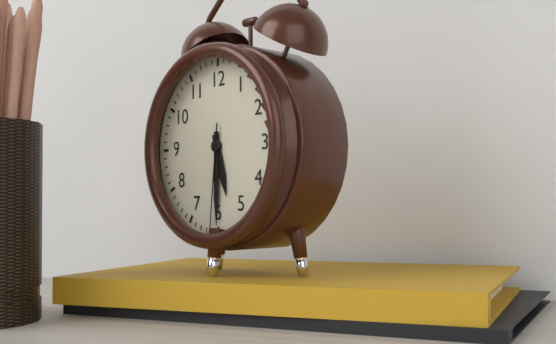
5.30.31
